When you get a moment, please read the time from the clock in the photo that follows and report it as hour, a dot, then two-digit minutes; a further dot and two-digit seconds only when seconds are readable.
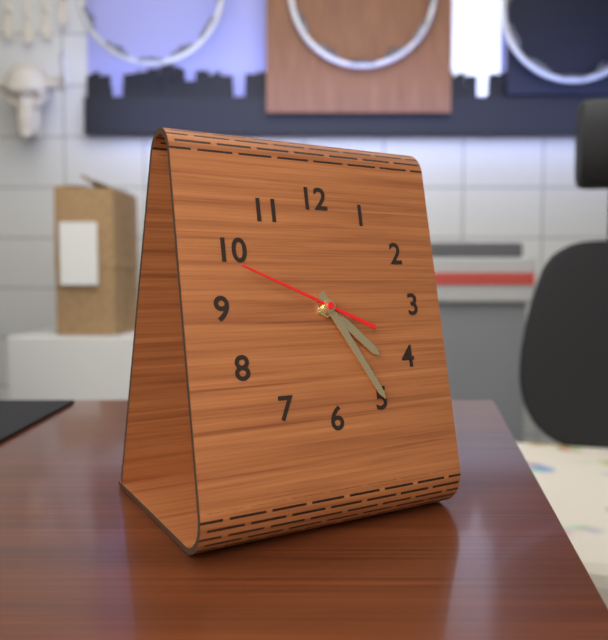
4.25.49
